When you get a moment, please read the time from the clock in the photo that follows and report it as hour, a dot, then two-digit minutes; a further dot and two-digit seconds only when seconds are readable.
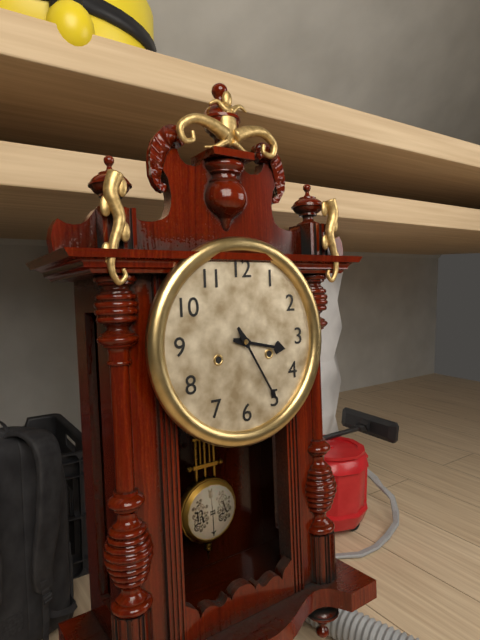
3.25
